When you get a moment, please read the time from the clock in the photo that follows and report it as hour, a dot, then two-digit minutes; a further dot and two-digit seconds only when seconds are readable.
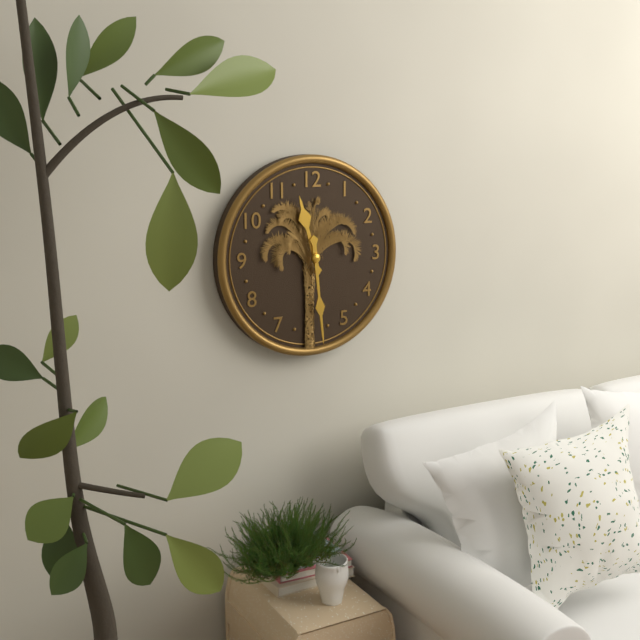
11.29
